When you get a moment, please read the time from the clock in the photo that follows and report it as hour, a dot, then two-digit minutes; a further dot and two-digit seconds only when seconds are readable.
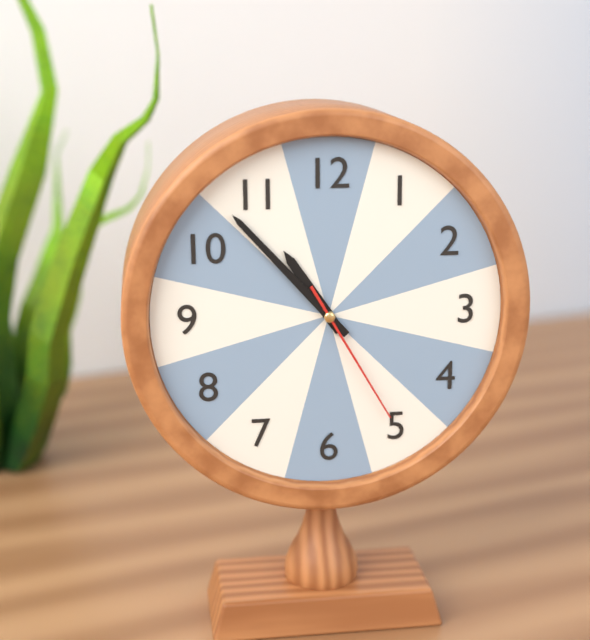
10.53.25
